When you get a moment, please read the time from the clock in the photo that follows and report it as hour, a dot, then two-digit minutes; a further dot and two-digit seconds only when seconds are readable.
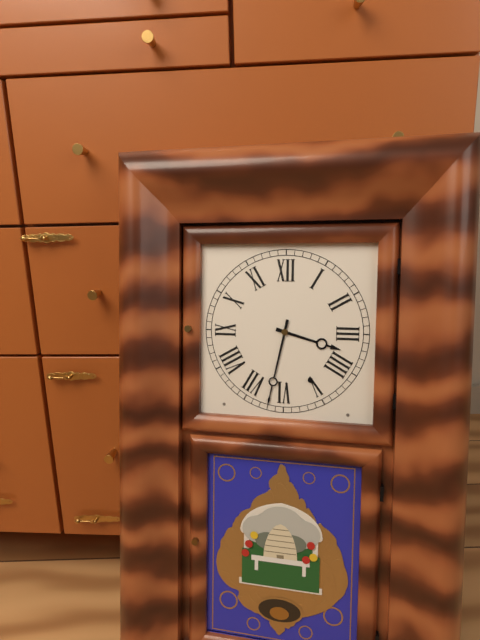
3.32
